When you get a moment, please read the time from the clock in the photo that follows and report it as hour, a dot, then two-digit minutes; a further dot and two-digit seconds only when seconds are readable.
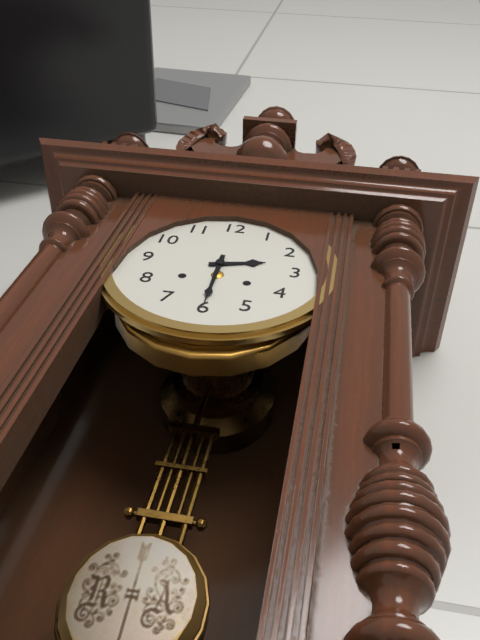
2.30
